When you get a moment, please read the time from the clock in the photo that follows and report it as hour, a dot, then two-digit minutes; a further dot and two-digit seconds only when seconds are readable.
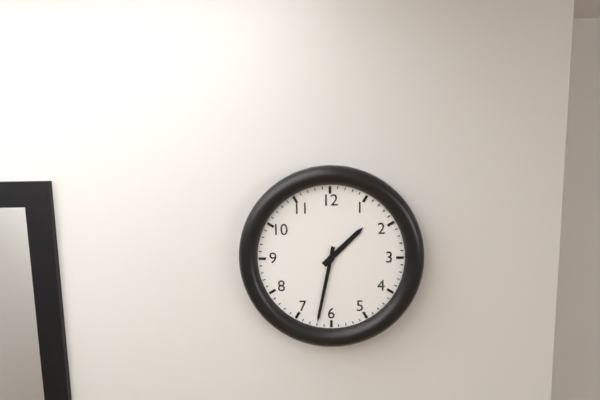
1.32
